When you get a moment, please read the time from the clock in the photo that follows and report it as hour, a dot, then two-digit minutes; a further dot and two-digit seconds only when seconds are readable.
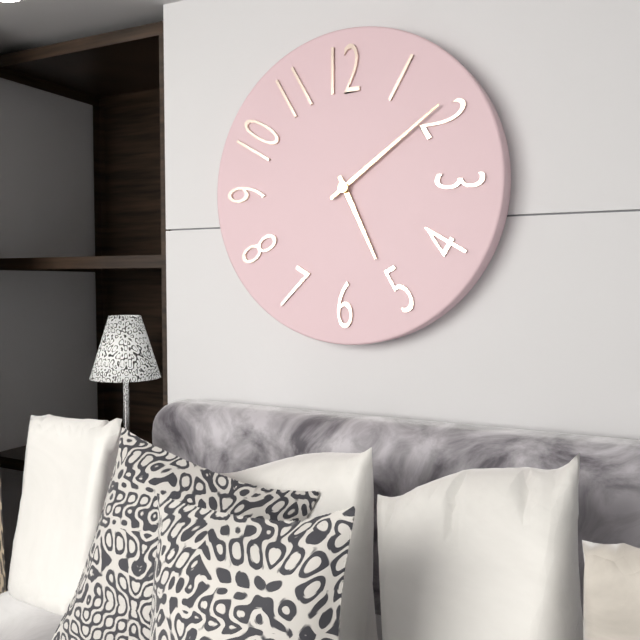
5.09
